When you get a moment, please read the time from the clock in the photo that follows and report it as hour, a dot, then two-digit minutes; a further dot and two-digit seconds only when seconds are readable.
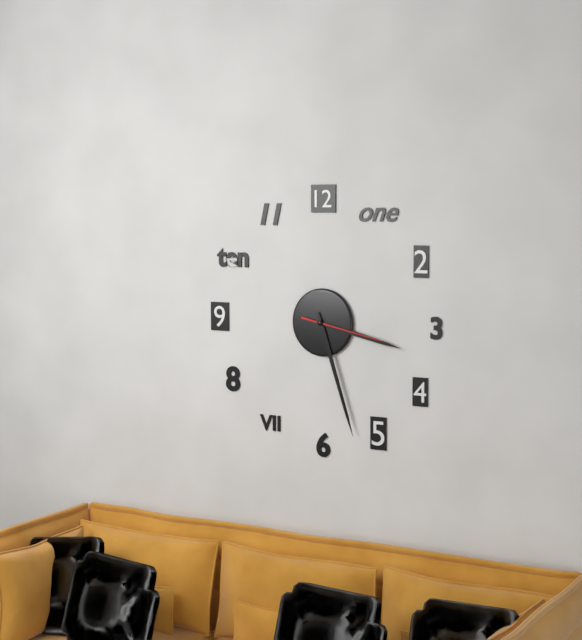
3.27.17
